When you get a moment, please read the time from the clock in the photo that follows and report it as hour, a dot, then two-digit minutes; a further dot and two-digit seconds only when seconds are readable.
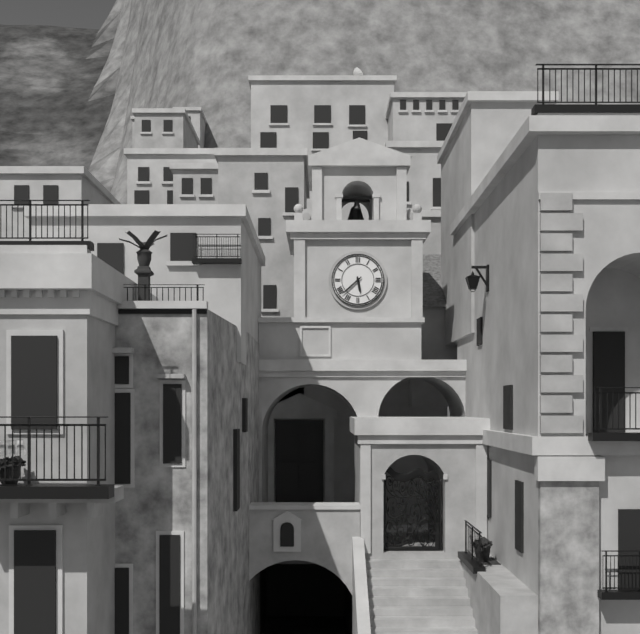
5.38
